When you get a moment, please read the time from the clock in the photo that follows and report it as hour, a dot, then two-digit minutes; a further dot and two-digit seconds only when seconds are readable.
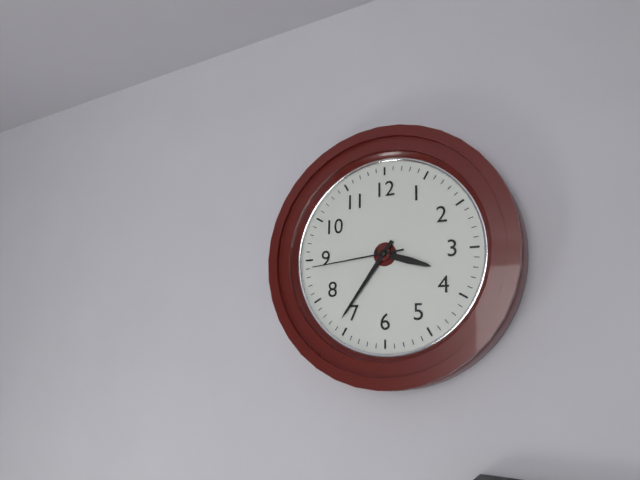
3.36.44
